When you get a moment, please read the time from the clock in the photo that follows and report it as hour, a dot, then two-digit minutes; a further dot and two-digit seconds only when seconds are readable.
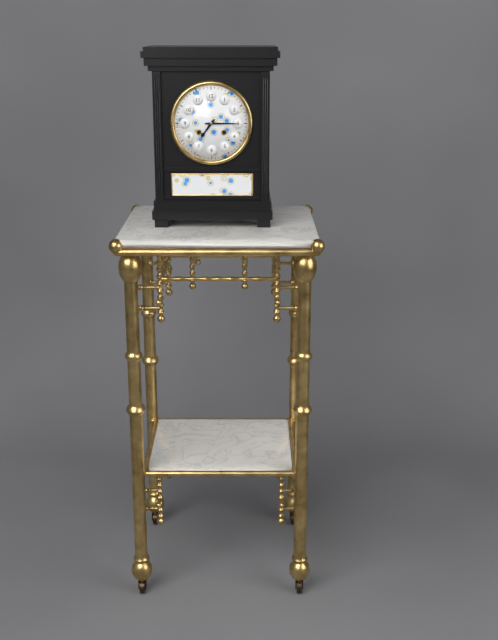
7.15
